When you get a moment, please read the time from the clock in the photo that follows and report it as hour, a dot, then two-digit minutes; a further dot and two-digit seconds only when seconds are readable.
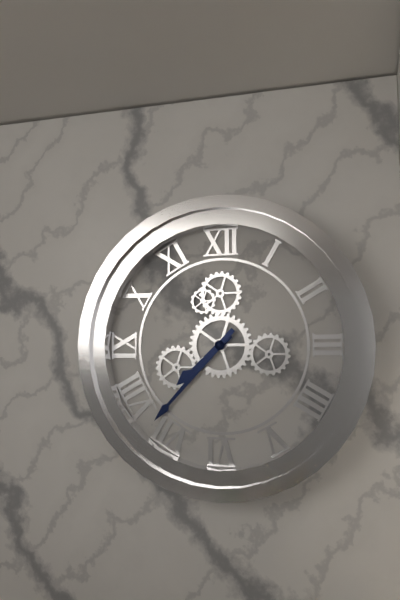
7.37
